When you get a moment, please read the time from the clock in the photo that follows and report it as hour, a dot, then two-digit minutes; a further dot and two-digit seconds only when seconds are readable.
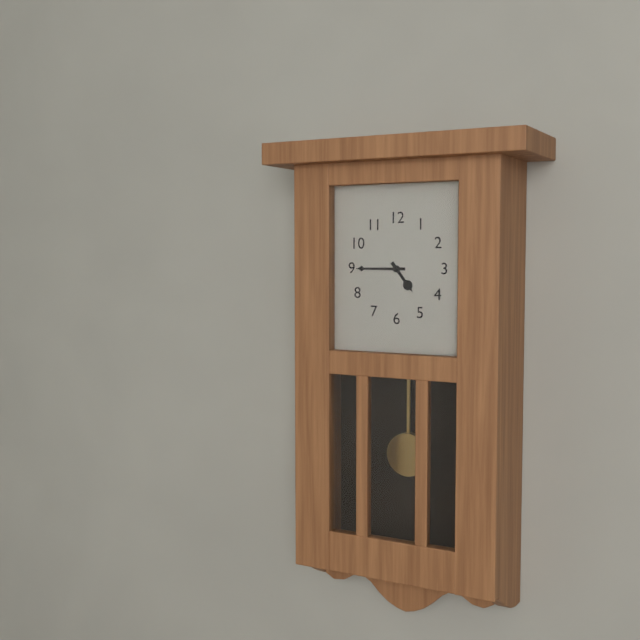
4.45
